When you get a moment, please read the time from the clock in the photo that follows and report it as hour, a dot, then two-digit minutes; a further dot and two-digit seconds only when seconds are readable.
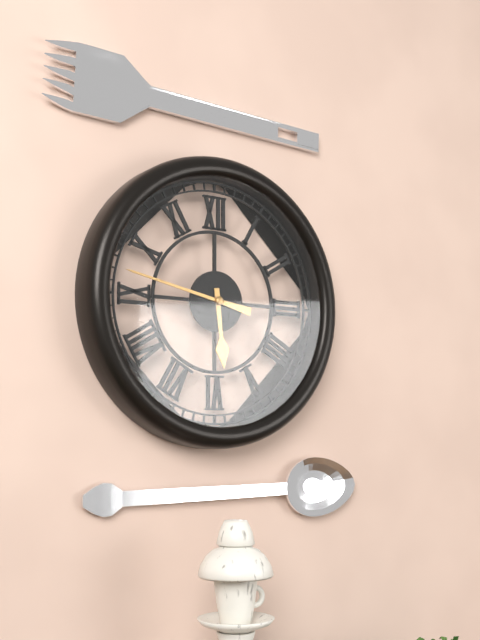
5.47
